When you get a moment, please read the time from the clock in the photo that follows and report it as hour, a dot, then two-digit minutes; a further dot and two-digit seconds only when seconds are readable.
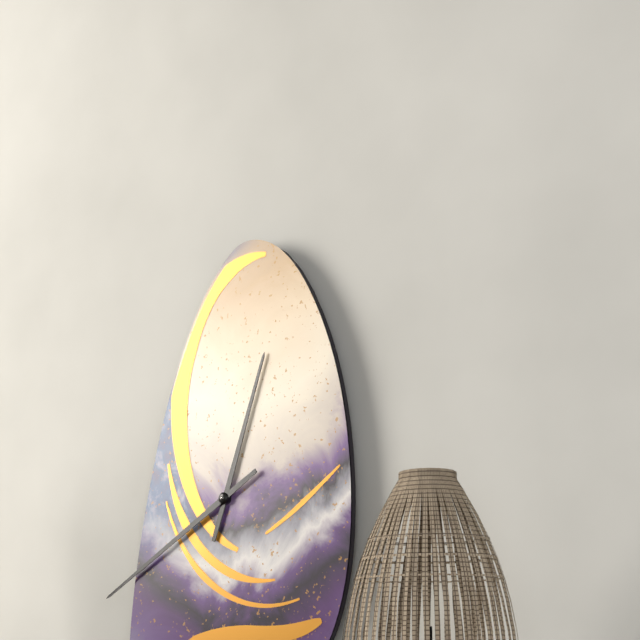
12.40
